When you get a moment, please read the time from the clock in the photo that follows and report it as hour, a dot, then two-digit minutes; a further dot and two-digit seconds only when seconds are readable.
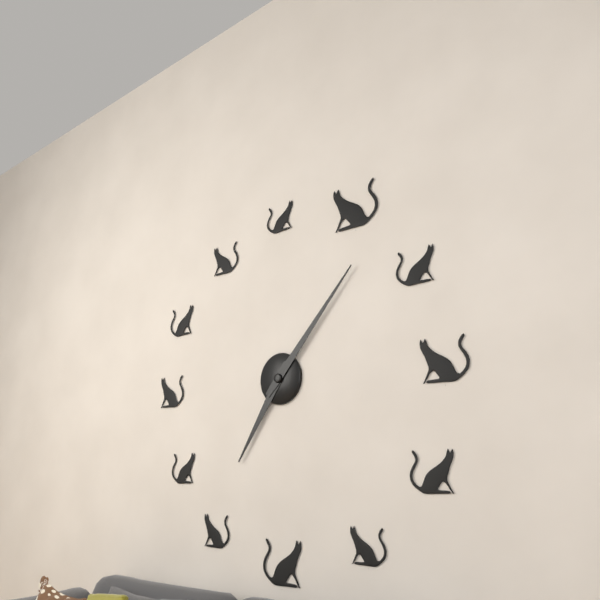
7.07
